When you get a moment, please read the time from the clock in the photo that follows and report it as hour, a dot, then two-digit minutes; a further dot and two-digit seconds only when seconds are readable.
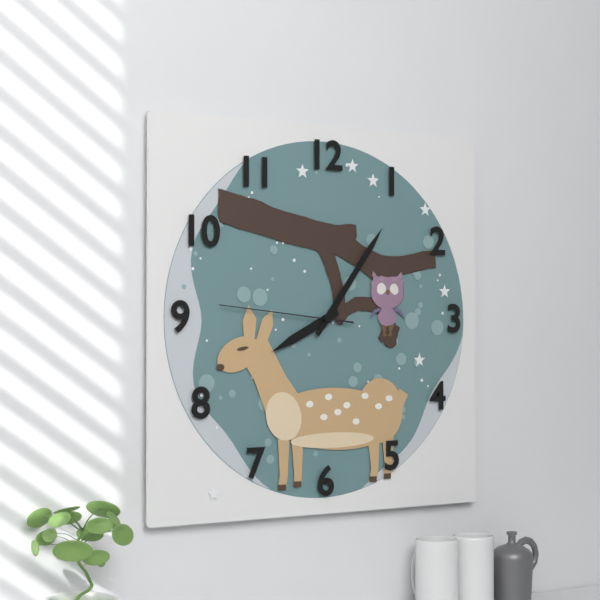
8.06.46
